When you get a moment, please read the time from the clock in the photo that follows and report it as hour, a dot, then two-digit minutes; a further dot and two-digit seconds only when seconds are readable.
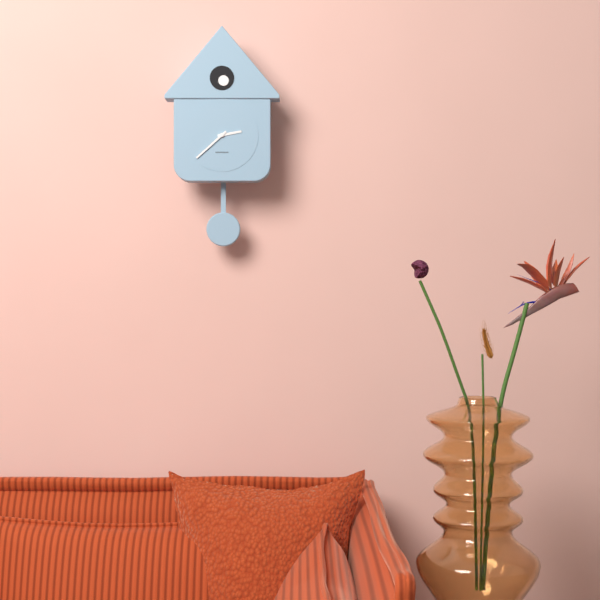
2.38
